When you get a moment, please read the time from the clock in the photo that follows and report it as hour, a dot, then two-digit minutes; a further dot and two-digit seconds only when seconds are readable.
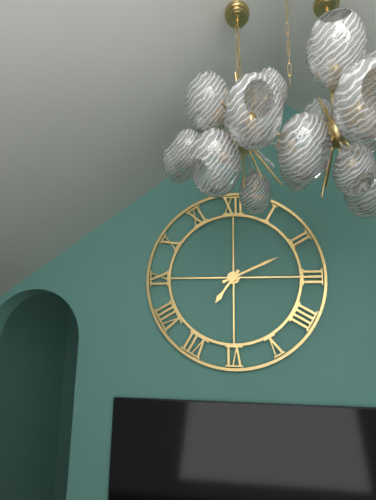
7.11
